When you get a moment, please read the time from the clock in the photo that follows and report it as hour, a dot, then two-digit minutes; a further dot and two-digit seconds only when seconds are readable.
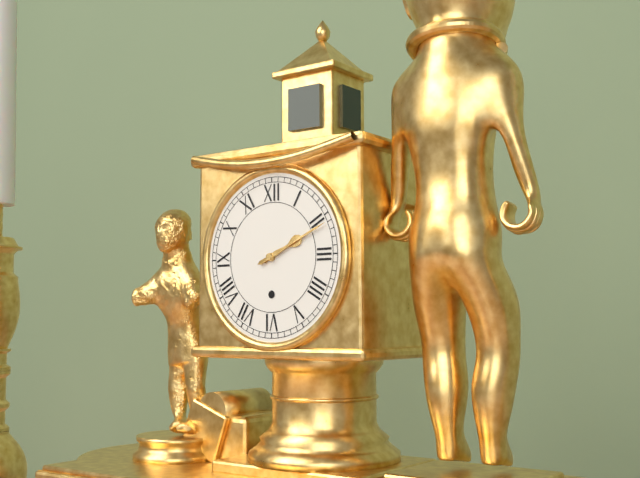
2.11
